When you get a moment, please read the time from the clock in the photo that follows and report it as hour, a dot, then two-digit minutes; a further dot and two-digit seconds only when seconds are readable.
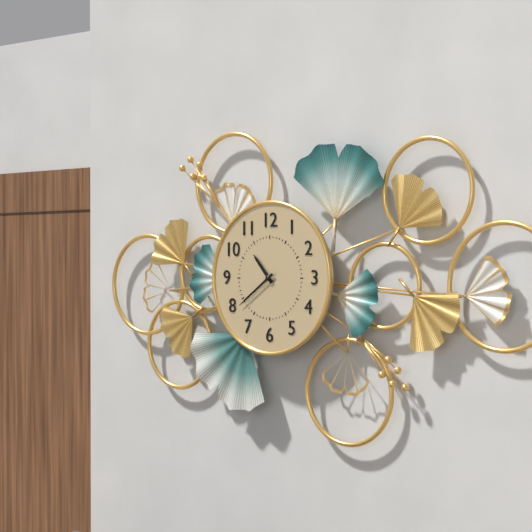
10.39
